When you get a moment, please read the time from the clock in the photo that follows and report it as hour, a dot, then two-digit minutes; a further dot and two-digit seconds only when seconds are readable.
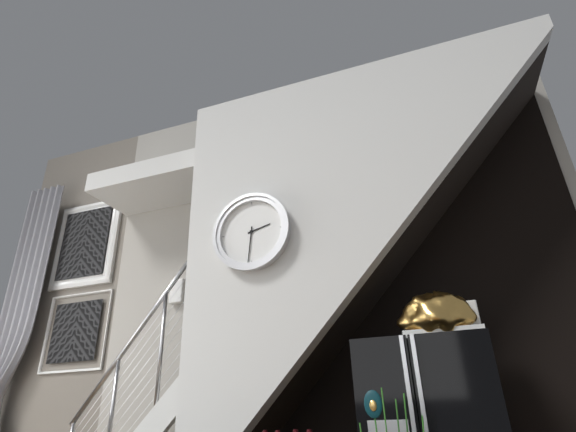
2.31
